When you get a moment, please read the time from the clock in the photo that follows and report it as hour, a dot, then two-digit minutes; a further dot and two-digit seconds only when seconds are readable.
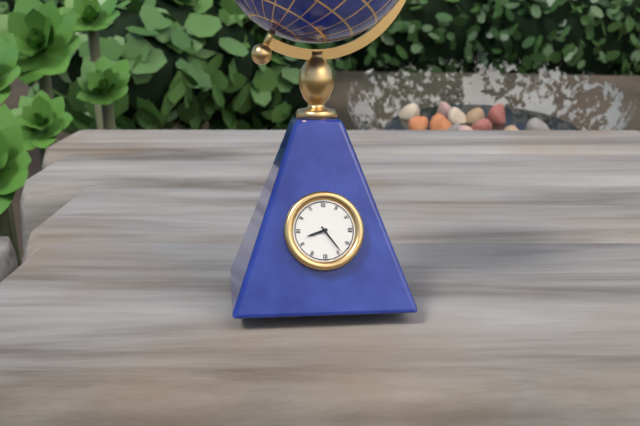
8.24
